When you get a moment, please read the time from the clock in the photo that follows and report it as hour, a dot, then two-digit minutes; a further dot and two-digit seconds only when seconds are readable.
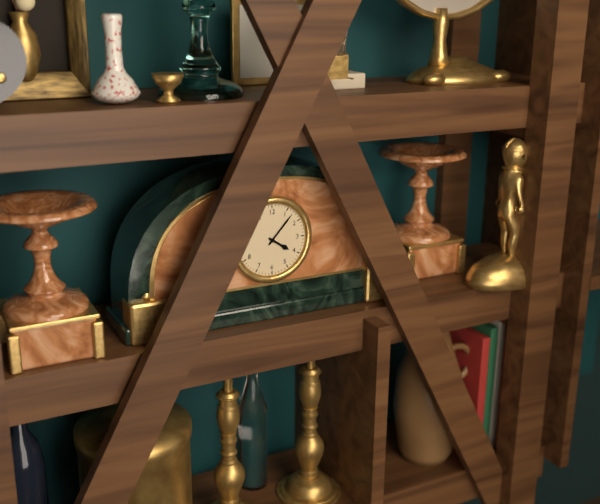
4.07
